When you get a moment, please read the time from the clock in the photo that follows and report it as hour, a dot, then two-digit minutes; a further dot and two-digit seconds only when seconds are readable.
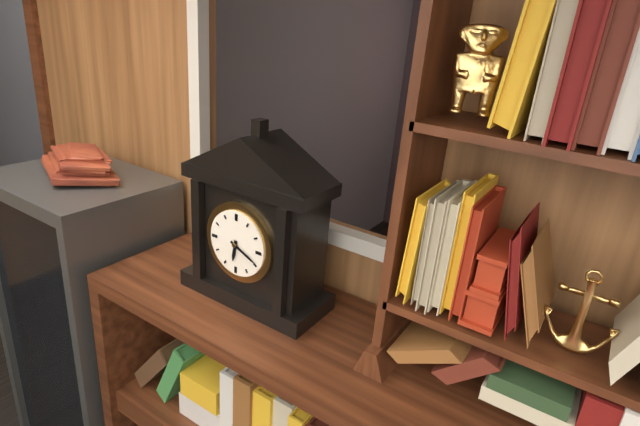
6.19
